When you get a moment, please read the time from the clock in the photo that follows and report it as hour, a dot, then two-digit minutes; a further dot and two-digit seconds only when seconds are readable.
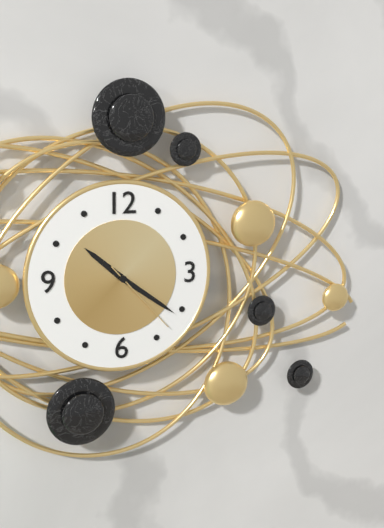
10.21.23
